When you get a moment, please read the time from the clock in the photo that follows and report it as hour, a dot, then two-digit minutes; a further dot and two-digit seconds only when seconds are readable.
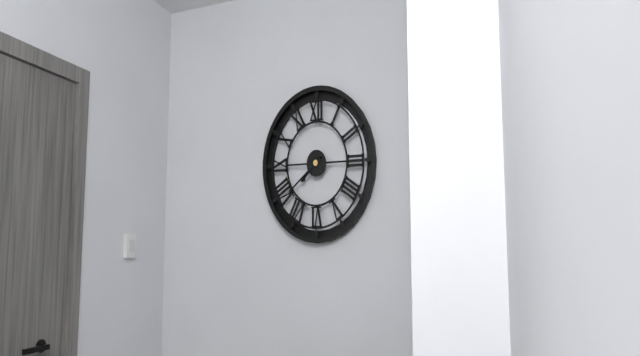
7.39
